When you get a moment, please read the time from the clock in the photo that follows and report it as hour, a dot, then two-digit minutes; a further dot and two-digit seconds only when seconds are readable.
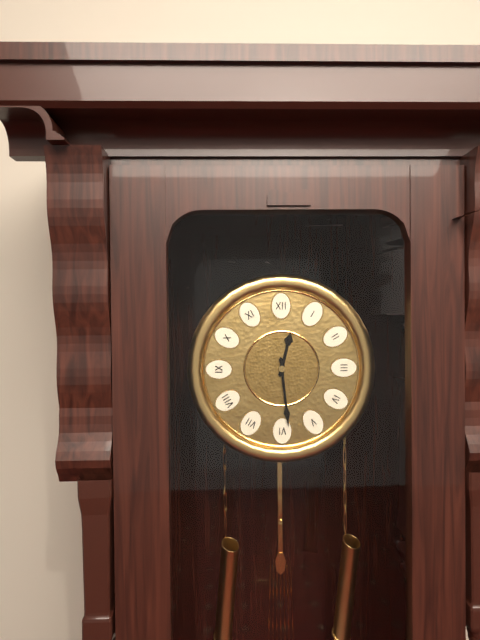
12.29
